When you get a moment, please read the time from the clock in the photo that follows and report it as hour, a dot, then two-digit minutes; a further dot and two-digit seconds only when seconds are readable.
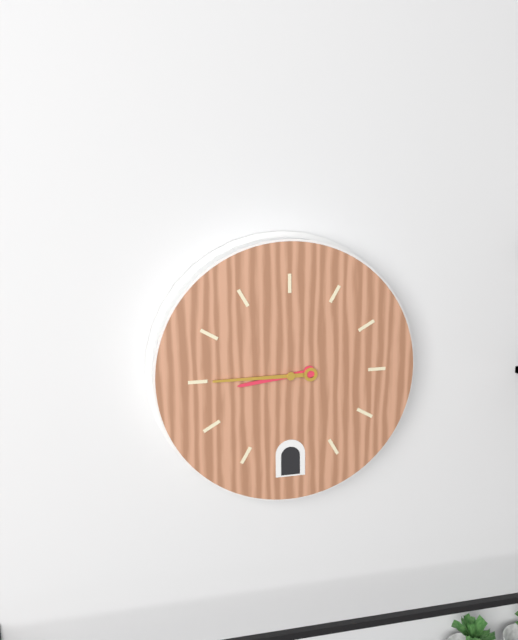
8.45
